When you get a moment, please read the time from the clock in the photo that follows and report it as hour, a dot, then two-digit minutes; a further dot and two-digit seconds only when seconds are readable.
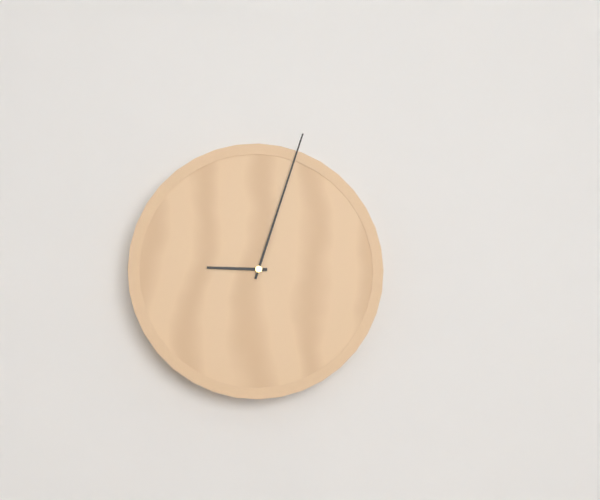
9.03
